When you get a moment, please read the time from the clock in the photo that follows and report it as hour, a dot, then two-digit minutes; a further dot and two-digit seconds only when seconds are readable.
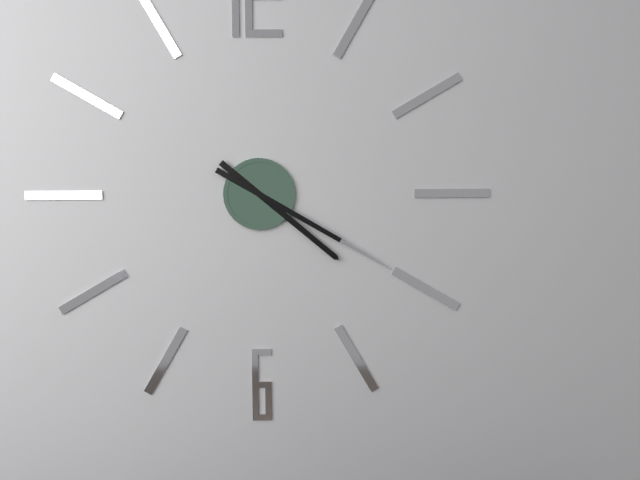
4.20
